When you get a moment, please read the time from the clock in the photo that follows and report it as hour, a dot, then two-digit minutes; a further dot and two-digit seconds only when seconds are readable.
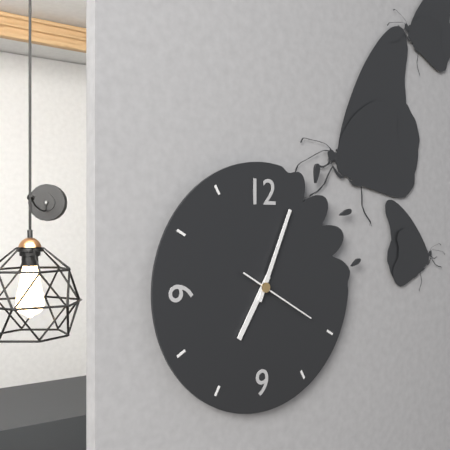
7.04.20
